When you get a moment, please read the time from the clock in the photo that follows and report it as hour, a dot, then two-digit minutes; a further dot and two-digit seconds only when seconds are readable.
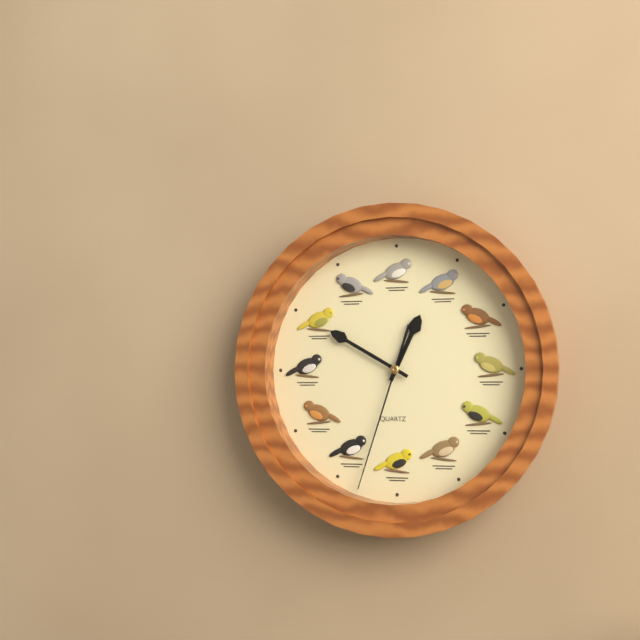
12.50.33
